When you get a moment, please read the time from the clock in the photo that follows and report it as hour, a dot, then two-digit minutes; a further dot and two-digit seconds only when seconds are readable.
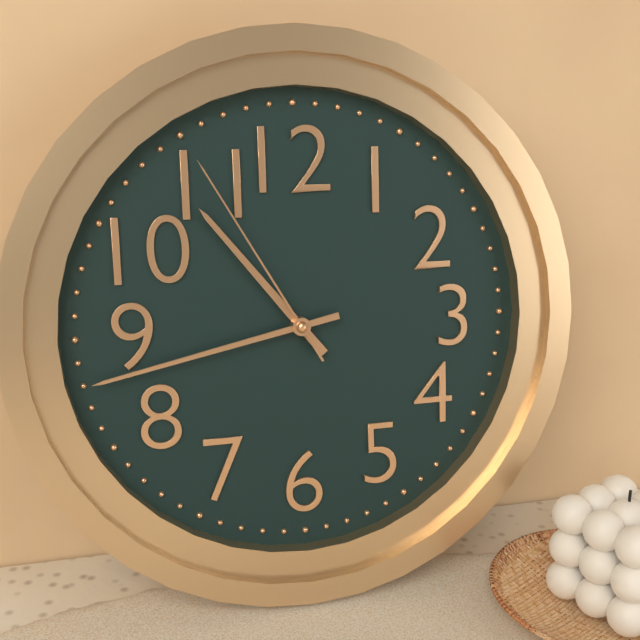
10.43.55
